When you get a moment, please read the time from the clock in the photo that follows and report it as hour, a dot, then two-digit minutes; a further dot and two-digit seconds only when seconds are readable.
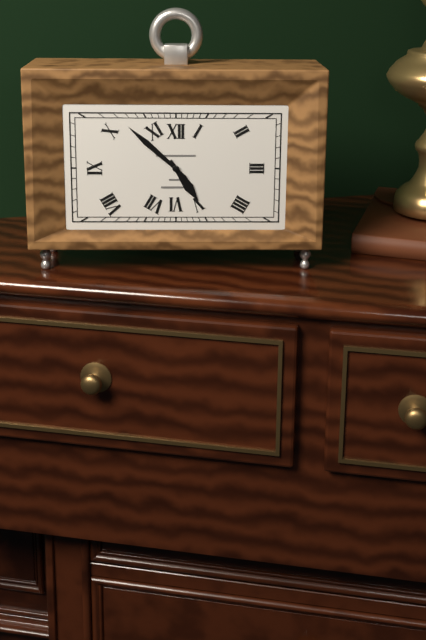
4.52
